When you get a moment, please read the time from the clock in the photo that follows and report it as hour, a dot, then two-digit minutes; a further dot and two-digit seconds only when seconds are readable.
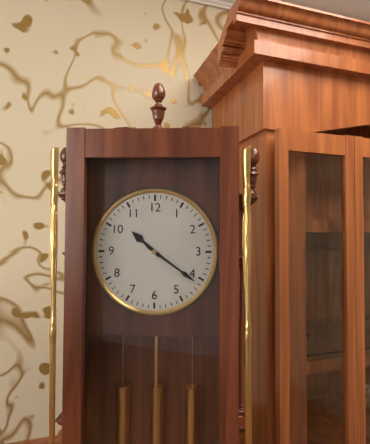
10.21
